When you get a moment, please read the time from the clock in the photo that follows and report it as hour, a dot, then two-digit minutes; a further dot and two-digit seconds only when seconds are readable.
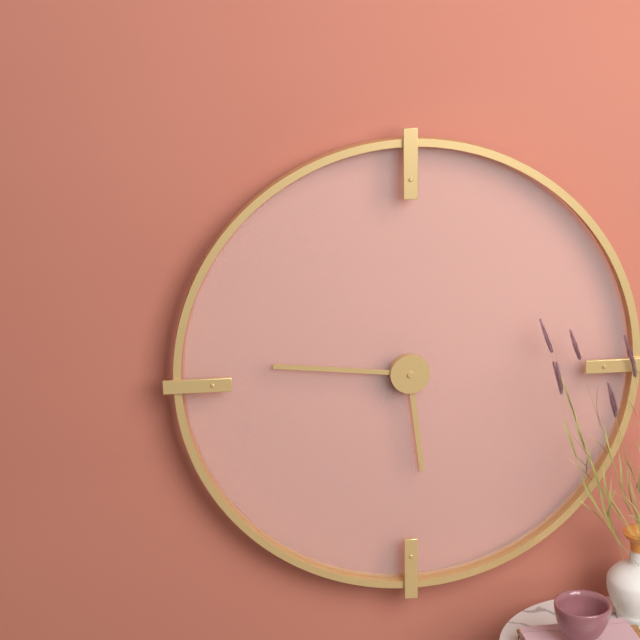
5.46
